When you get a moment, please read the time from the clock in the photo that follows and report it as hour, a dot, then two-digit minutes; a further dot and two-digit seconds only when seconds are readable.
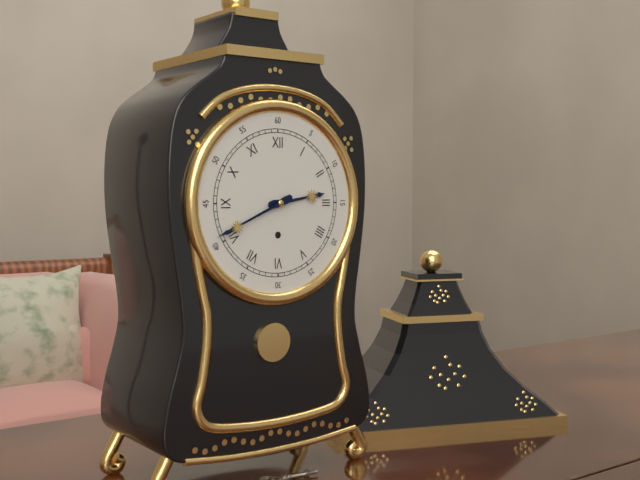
2.41
